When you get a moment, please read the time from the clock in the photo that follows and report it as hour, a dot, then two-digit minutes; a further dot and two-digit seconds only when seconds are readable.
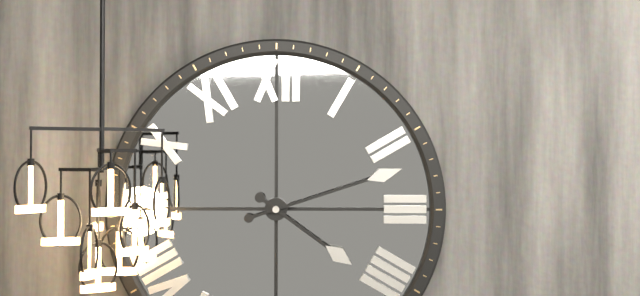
4.12
